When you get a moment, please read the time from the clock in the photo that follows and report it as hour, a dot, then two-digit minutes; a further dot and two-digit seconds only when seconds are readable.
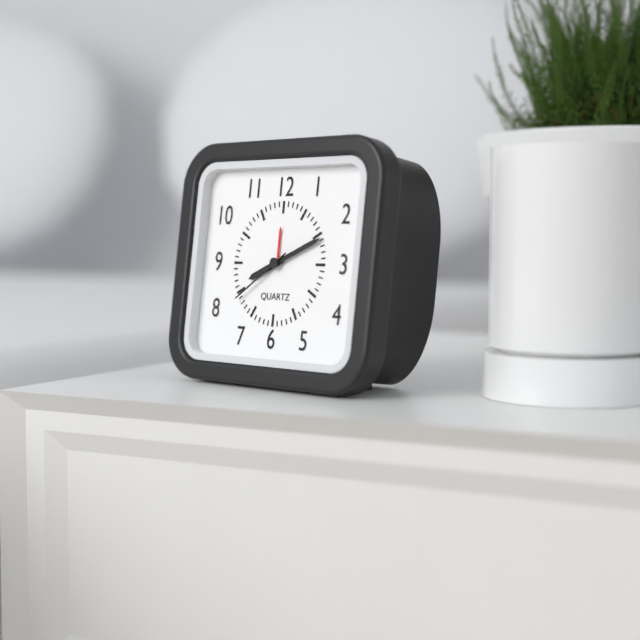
8.11.39
